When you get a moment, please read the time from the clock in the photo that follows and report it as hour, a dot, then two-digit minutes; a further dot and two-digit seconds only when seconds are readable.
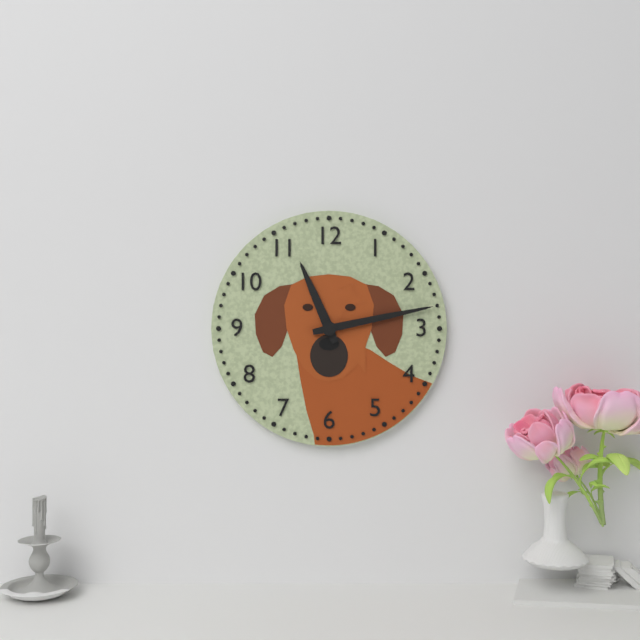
11.13
